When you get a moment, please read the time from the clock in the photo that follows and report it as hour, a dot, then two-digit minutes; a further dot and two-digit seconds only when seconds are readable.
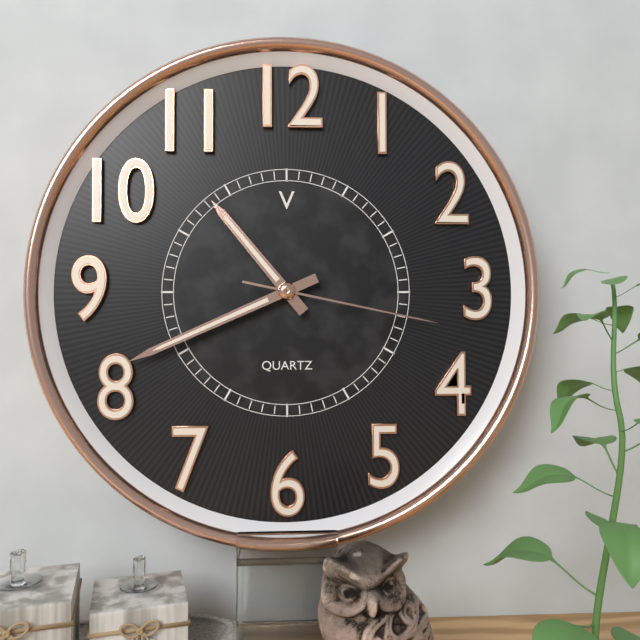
10.41.17
